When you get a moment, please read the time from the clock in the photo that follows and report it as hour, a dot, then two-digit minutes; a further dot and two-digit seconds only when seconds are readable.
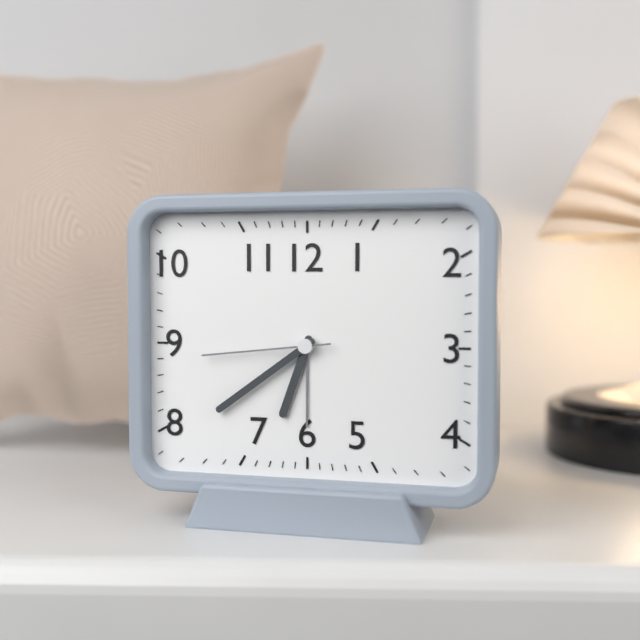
6.39.44
